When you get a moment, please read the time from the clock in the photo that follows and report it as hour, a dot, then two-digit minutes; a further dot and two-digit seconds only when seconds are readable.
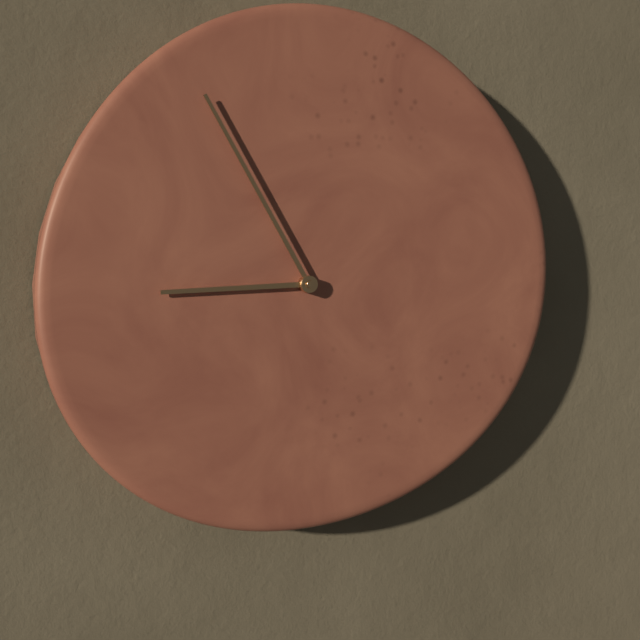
8.55
